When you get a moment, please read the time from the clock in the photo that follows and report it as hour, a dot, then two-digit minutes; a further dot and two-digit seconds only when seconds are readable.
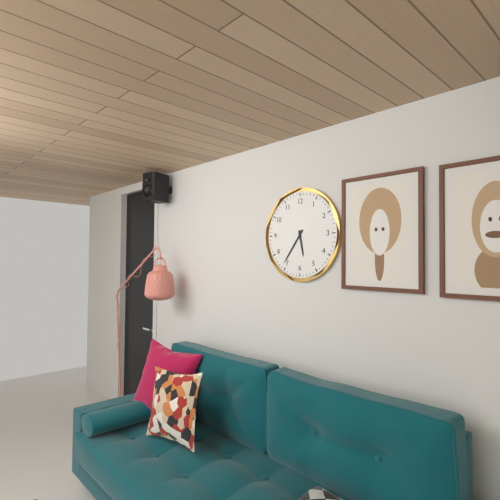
5.36
